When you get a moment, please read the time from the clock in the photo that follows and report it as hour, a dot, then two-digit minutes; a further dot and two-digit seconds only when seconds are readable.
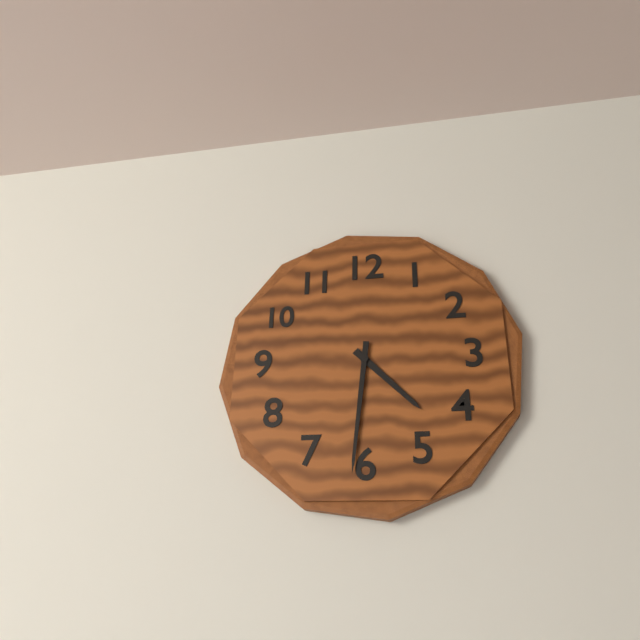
4.31
